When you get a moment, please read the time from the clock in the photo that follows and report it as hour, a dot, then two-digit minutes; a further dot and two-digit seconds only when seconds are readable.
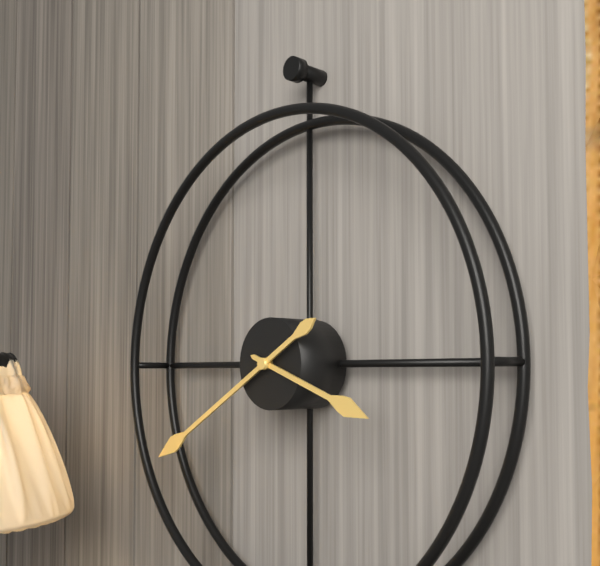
3.40
